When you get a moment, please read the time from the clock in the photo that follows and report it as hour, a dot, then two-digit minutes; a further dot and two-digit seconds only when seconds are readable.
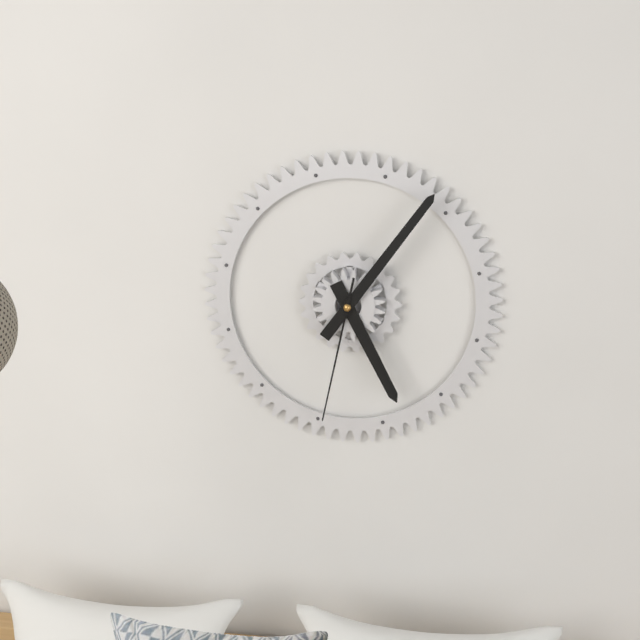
5.06.32
